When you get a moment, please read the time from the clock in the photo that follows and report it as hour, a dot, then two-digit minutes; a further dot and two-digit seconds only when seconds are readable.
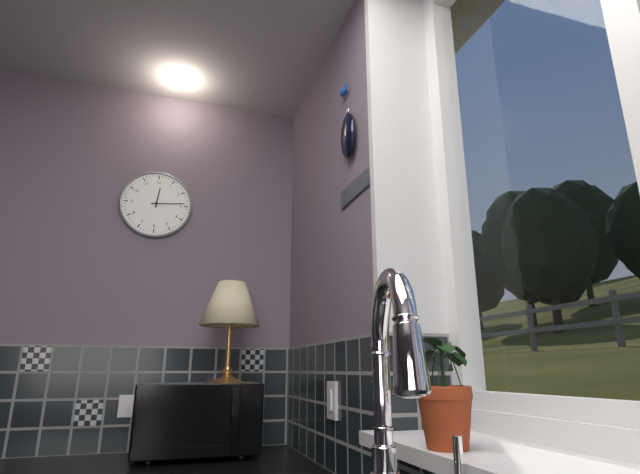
12.14
